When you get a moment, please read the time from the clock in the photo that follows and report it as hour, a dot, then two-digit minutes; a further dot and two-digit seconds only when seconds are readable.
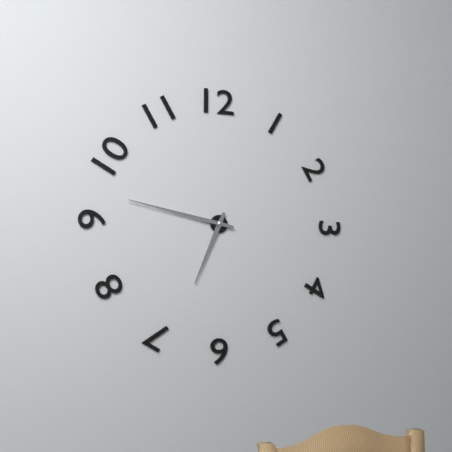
6.47
